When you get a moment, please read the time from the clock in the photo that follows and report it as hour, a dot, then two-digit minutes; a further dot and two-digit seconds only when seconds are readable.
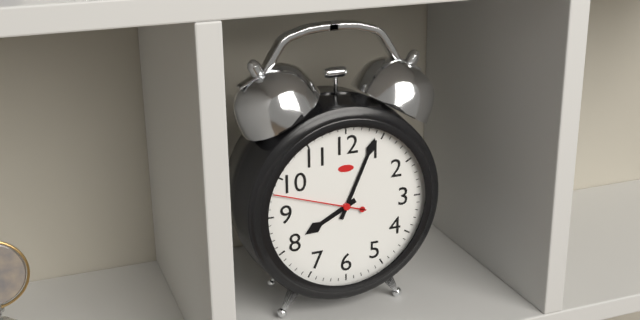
8.04.48
